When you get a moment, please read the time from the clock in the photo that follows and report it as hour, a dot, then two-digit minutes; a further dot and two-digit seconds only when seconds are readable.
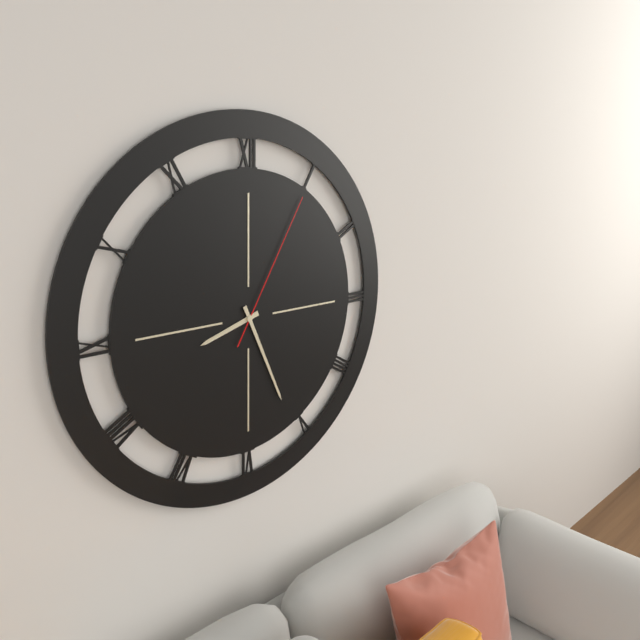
8.26.05
